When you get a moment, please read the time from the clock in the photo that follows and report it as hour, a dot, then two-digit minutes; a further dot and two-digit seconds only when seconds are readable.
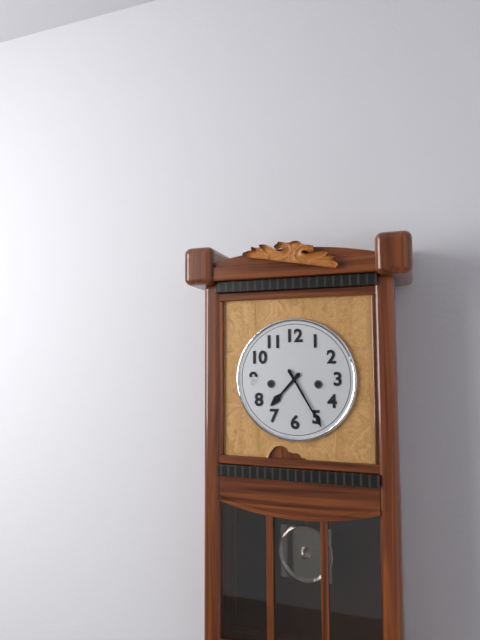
7.25
